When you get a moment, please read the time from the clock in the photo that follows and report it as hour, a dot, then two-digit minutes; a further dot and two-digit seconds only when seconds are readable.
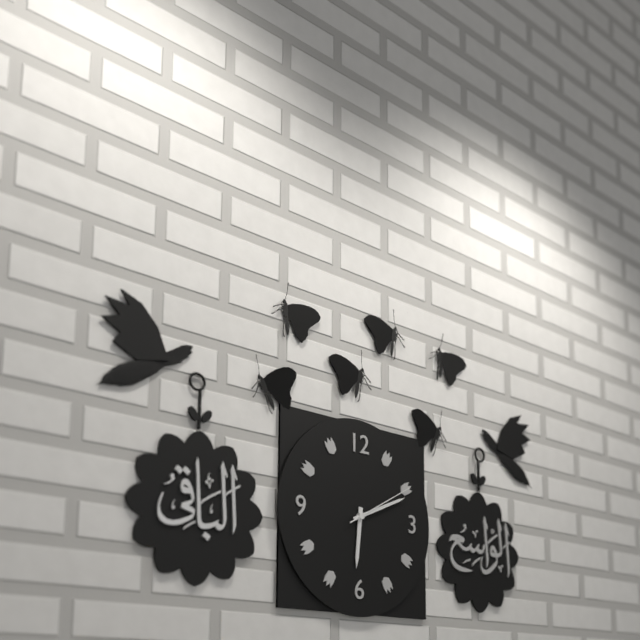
6.11.10
